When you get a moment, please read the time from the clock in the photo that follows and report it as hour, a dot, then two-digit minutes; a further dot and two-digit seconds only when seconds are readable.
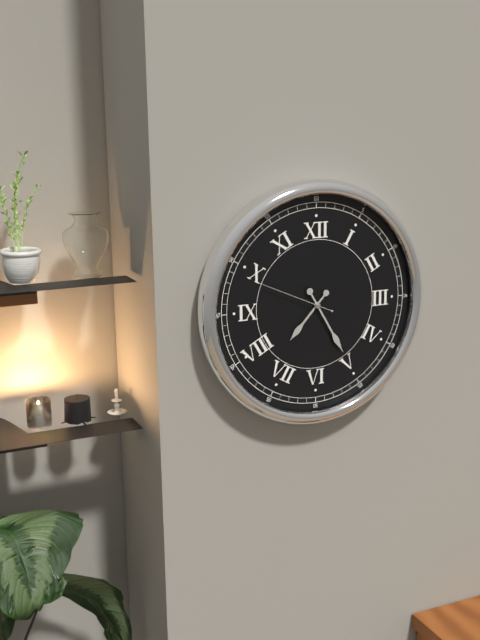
7.25.49
